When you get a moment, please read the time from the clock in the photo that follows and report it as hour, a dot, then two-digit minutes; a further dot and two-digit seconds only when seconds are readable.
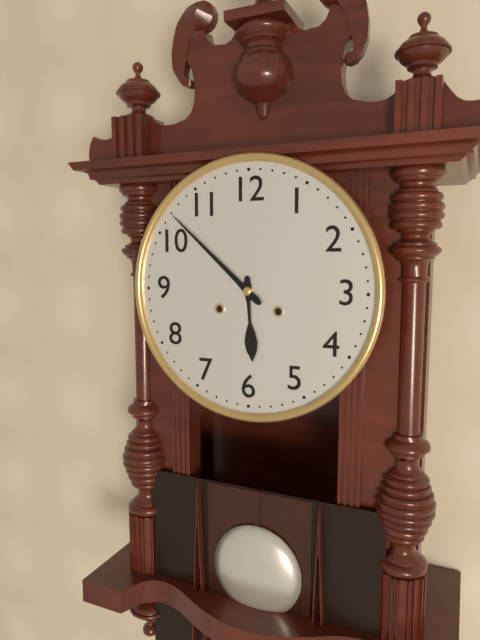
5.52
